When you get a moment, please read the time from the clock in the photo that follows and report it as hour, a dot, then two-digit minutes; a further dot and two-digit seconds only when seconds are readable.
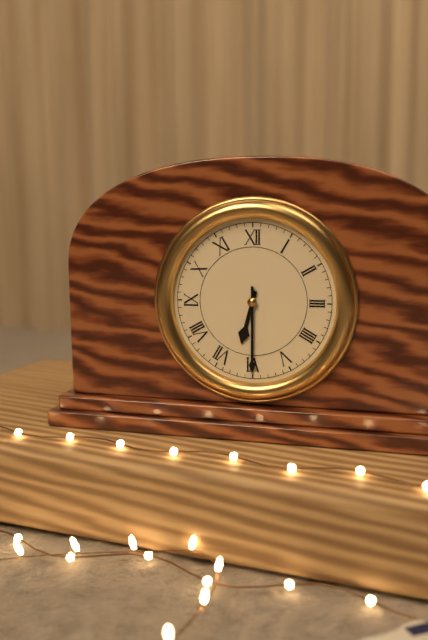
6.30
